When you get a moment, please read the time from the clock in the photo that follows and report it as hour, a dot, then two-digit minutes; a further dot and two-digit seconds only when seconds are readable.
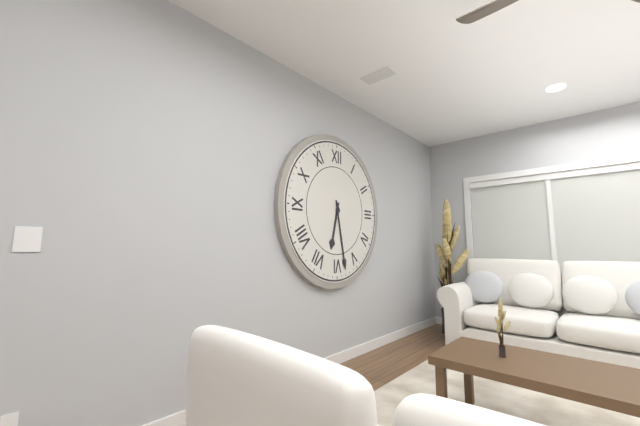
6.28
